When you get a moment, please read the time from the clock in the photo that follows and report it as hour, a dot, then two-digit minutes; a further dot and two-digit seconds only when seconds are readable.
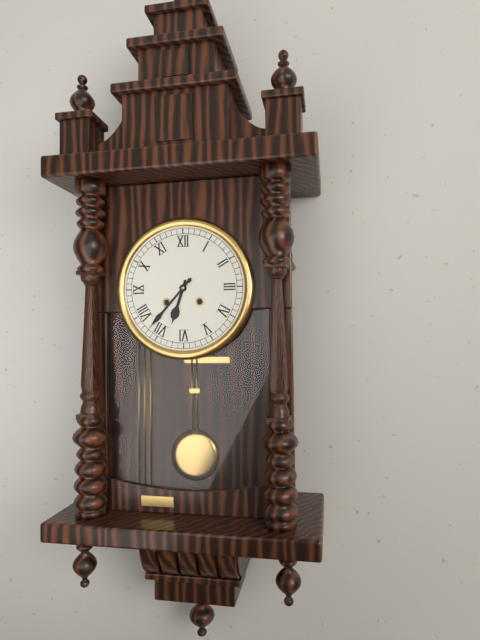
6.37
